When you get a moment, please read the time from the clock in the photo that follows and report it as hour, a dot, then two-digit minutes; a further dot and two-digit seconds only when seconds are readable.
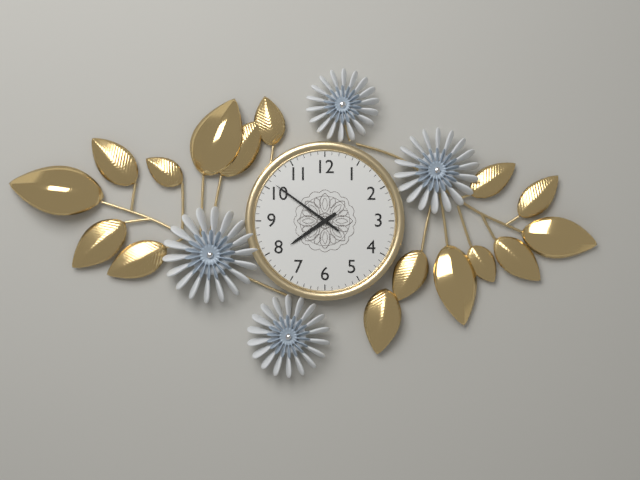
7.51
